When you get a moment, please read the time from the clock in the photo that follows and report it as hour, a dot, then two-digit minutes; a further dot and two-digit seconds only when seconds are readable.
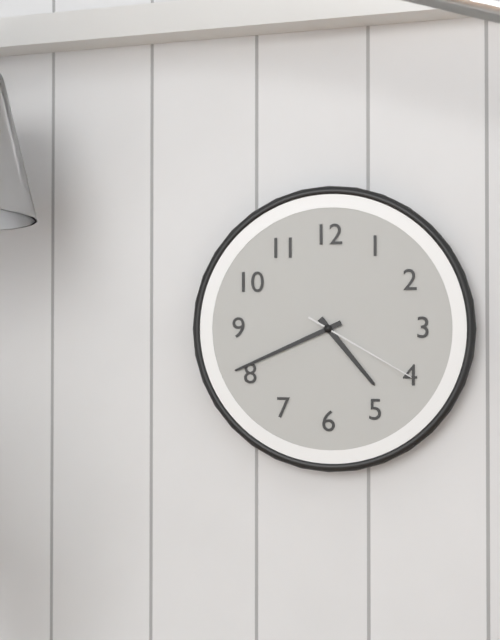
4.41.20
